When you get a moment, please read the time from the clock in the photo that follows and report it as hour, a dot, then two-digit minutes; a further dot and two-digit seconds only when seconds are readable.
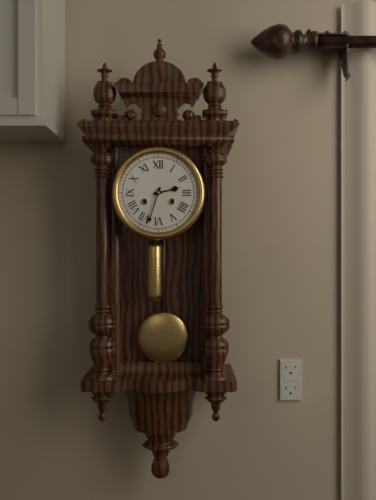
2.33
